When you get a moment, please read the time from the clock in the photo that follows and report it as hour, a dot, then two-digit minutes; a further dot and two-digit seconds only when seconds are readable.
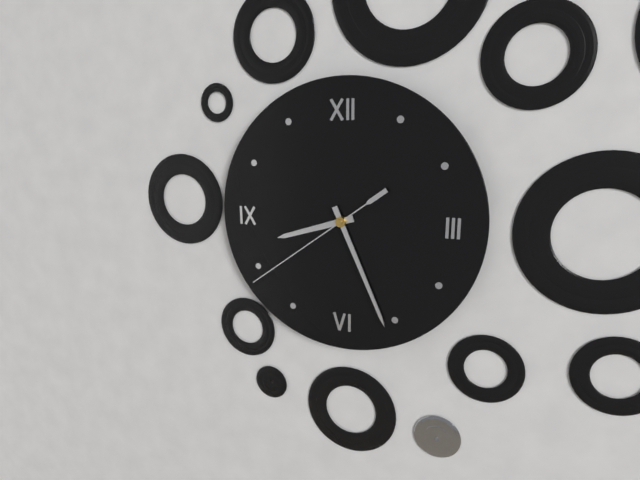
8.26.39
